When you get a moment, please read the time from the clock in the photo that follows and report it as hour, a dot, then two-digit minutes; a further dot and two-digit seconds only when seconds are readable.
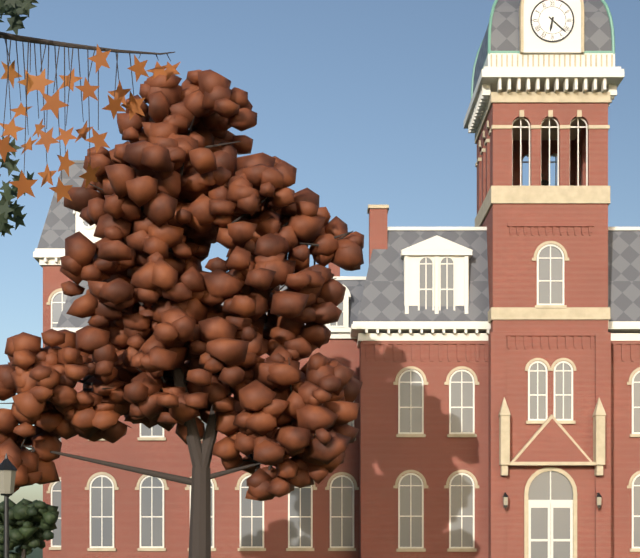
6.22
